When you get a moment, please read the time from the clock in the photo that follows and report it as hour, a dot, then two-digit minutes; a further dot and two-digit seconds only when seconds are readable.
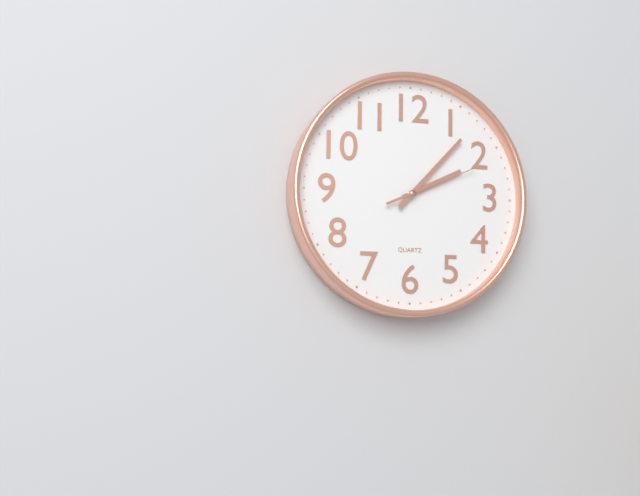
2.07.11
